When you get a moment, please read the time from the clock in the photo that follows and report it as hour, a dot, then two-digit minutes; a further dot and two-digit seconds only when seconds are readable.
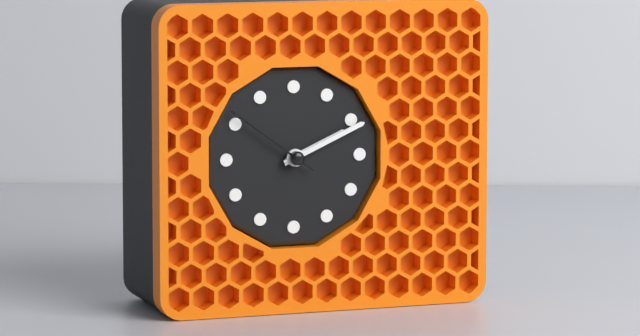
2.11.51
